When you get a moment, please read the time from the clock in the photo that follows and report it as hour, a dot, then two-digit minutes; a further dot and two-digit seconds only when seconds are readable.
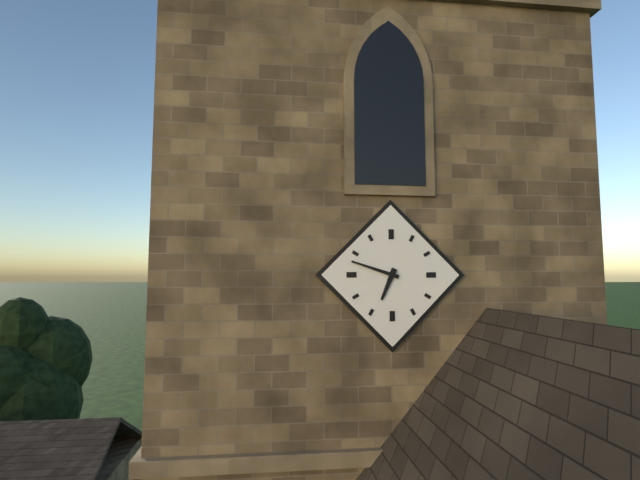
6.48
